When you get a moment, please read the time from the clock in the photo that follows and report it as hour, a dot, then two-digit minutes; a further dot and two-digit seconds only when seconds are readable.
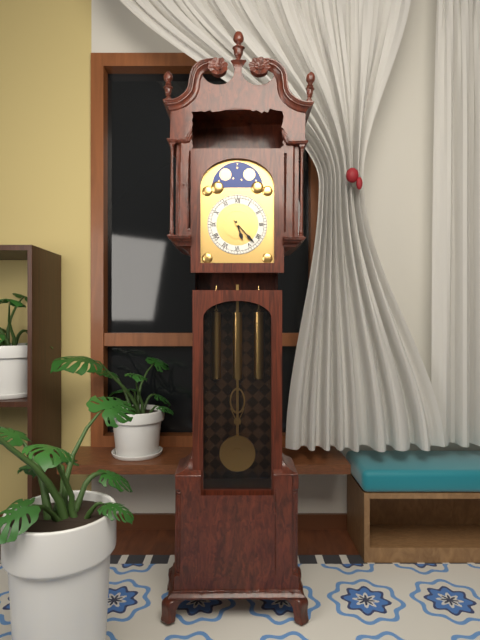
5.23
